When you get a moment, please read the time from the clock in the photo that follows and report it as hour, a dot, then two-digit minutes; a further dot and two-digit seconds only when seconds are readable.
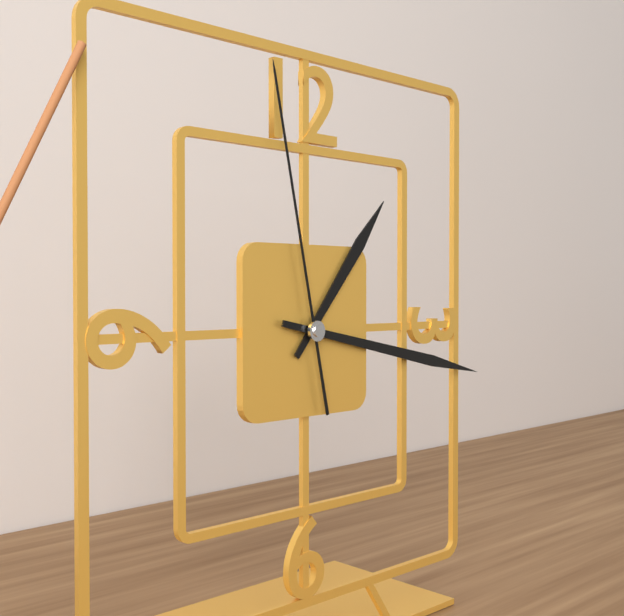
1.17.58
